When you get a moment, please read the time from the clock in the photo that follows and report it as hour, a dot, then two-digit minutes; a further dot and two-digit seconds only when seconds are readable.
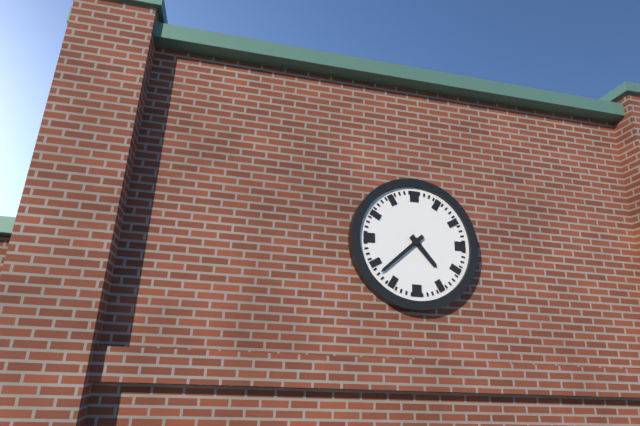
4.38
